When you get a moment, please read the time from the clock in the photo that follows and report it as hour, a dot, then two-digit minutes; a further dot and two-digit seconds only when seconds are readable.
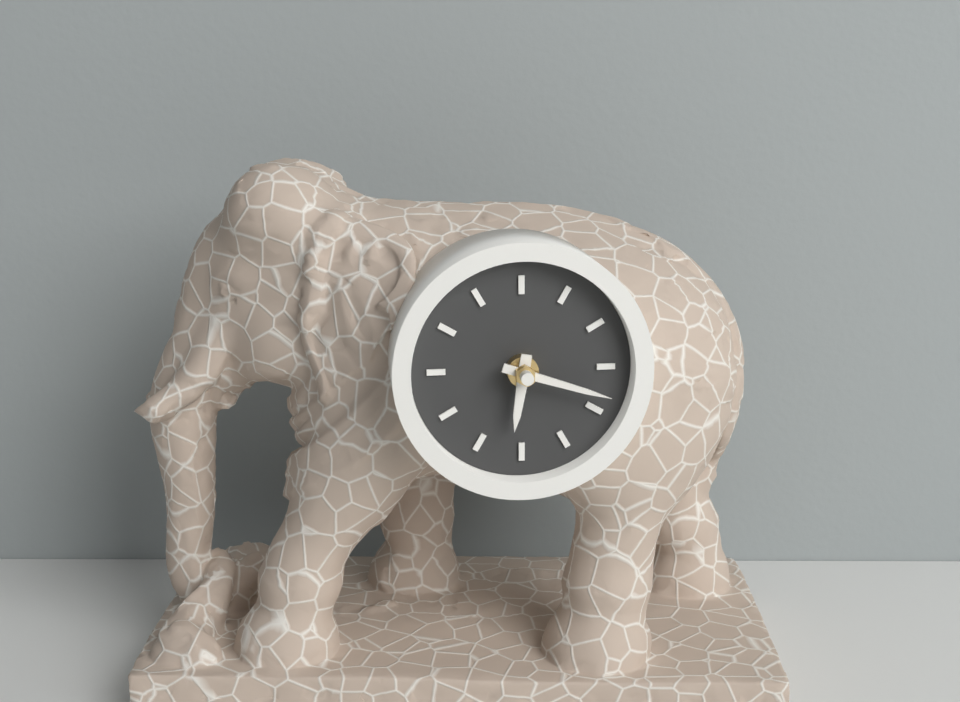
6.18
